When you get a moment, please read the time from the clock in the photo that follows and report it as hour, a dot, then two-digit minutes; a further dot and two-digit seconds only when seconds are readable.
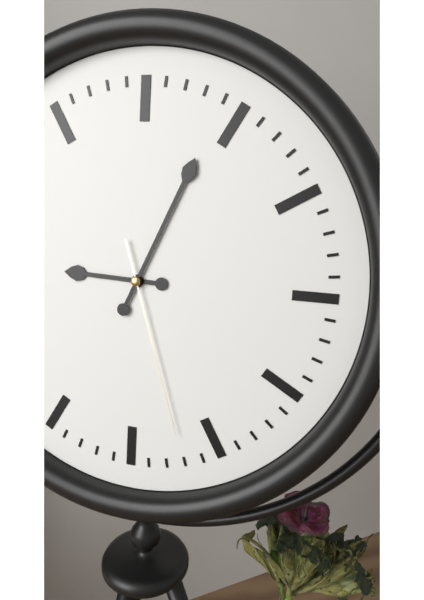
9.04.27
